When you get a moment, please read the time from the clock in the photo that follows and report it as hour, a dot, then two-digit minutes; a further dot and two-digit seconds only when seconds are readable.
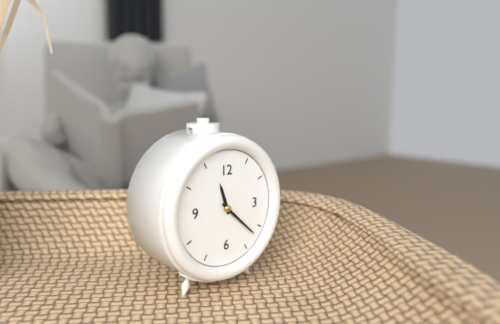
11.22
